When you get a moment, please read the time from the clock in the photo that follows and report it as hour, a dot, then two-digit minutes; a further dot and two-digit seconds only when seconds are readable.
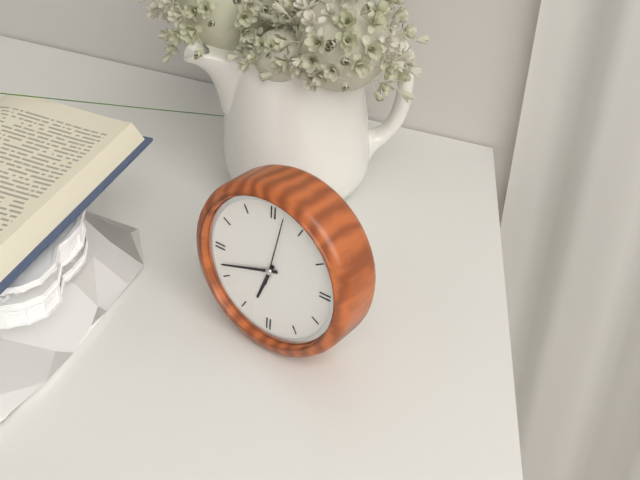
6.42.02
